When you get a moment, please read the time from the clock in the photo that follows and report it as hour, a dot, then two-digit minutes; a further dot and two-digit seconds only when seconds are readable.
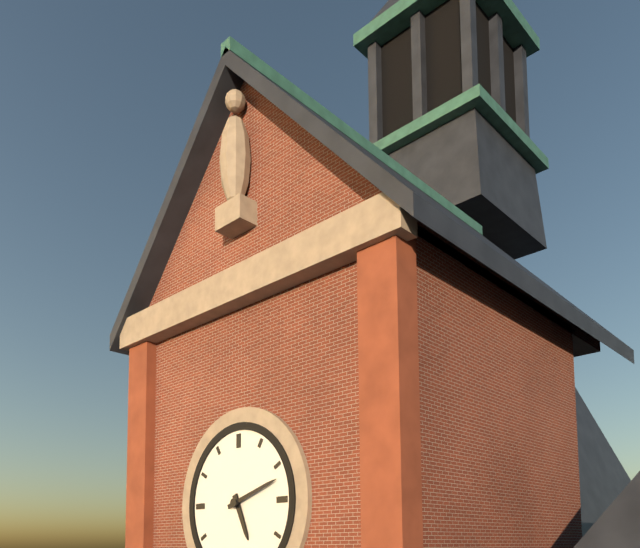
5.12
